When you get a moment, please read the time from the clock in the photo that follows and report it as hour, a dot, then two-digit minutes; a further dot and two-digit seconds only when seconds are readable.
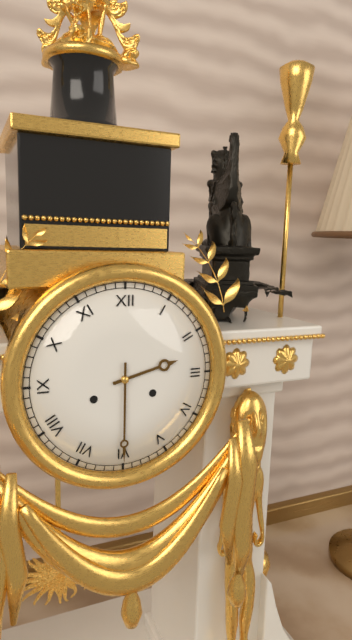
2.30
